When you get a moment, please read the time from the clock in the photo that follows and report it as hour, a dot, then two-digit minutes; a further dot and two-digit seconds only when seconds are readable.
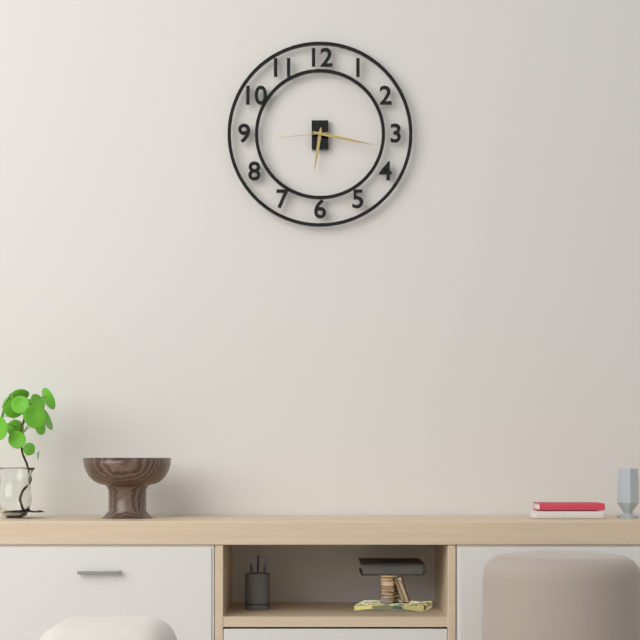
6.17.44
